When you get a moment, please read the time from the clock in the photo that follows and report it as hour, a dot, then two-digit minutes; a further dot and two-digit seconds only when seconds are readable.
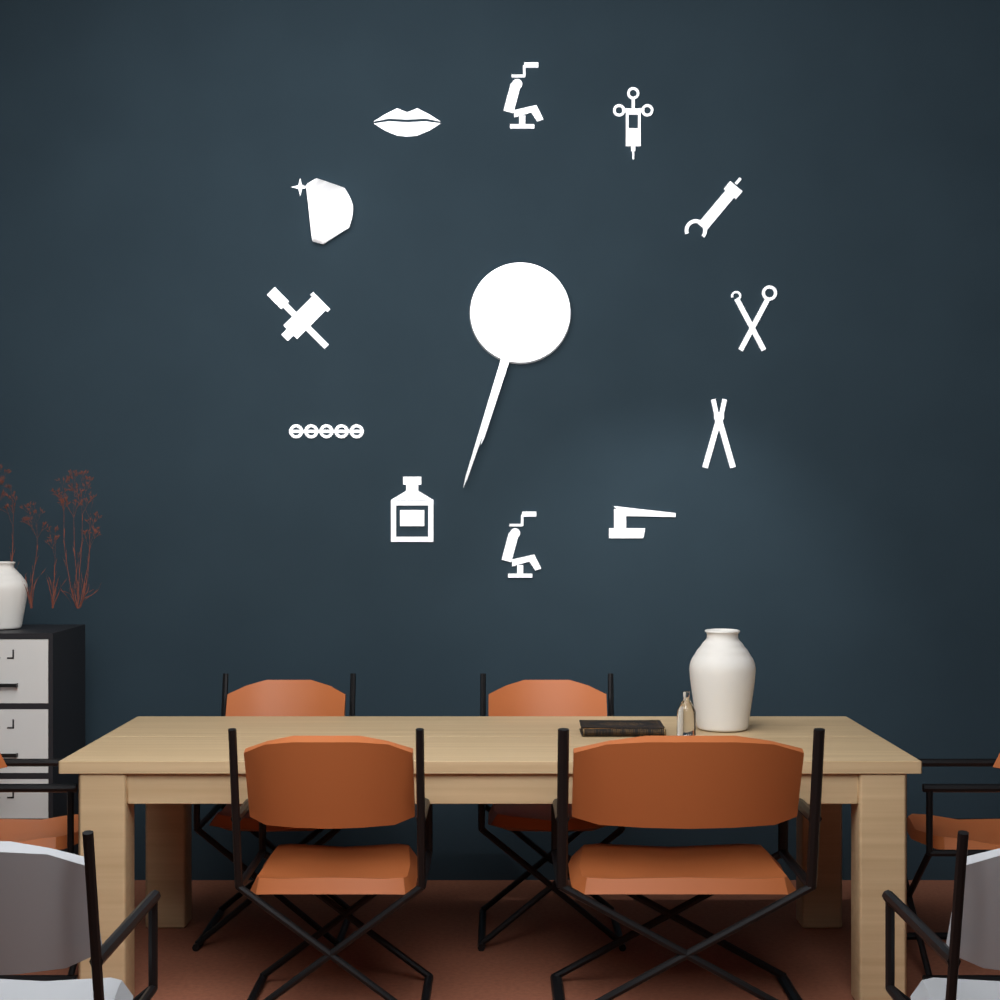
6.33
